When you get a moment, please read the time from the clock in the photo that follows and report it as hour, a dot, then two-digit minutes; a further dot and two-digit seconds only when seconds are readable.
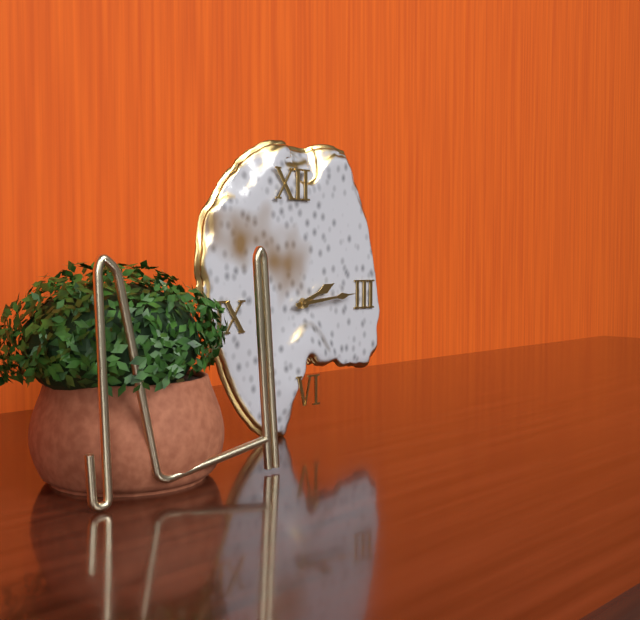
2.14
